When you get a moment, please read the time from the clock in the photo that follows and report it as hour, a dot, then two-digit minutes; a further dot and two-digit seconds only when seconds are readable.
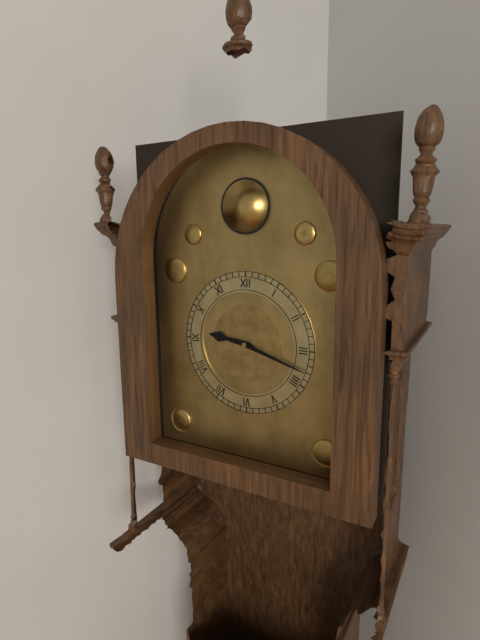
9.18
